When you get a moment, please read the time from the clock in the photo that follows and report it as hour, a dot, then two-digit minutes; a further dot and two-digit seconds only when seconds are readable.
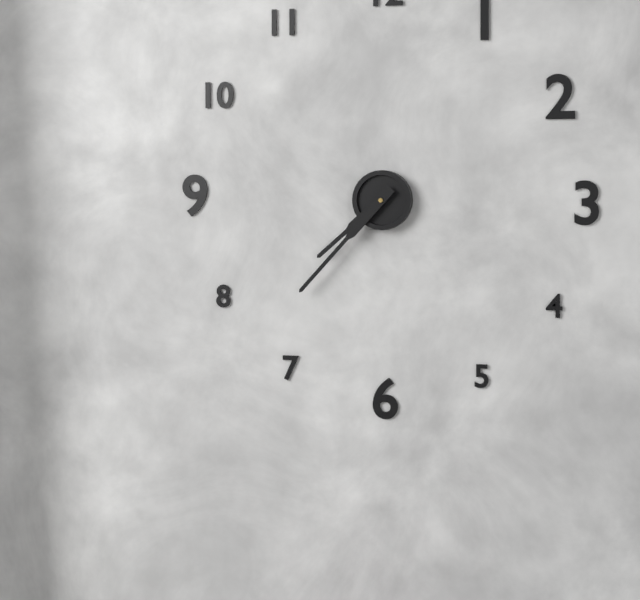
7.37
